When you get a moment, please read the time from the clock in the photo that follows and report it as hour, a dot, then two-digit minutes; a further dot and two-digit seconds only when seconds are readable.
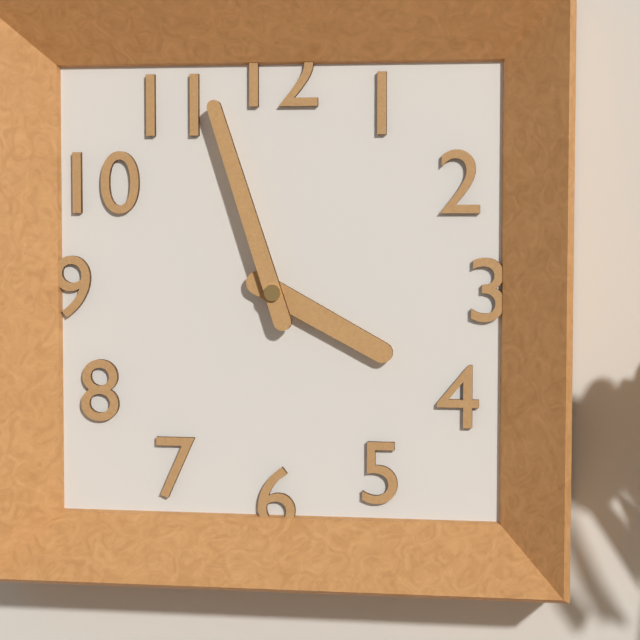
3.57
